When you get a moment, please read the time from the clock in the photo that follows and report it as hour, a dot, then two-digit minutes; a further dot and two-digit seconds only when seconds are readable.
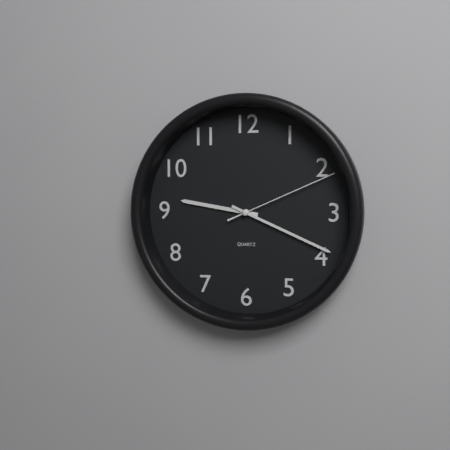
9.19.11
